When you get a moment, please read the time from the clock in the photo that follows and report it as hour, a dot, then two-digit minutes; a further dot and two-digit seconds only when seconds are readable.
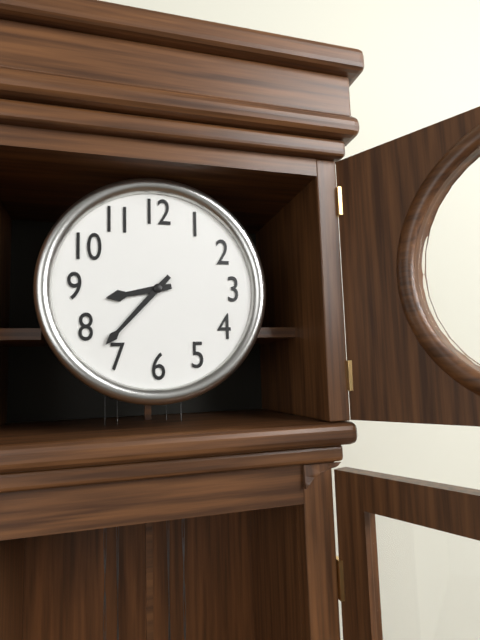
8.37
